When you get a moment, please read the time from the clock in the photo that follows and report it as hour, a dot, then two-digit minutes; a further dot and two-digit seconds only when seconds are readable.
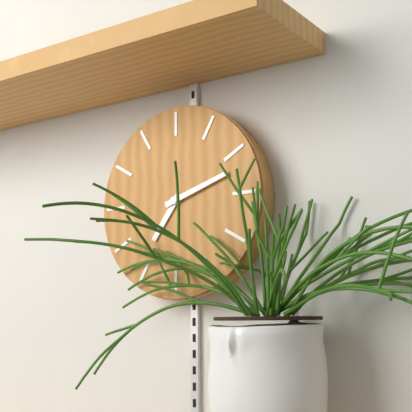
7.12
